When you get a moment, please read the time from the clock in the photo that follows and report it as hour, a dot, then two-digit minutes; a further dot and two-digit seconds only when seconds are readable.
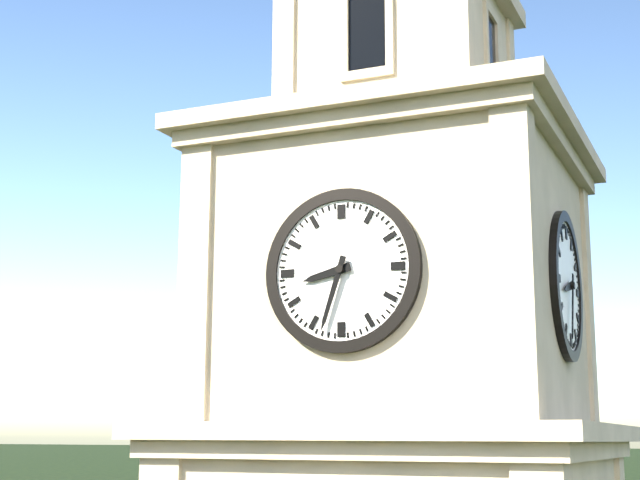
8.33
